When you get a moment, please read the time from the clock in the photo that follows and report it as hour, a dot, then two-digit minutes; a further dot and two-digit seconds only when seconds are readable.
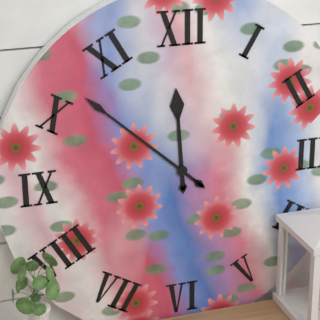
11.52
